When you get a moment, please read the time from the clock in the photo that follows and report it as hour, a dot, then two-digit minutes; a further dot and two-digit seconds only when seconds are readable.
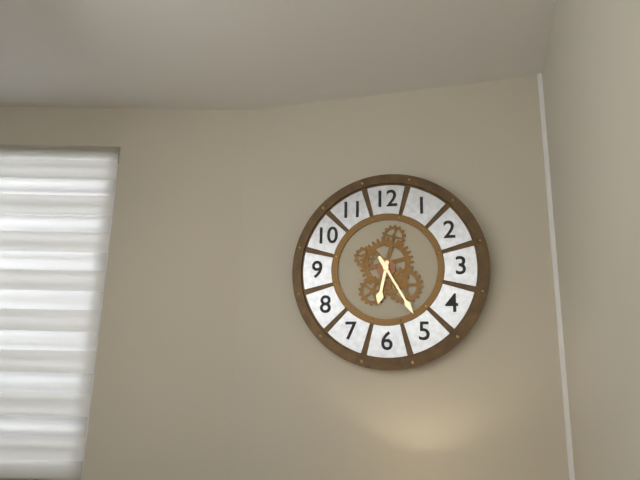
6.25
